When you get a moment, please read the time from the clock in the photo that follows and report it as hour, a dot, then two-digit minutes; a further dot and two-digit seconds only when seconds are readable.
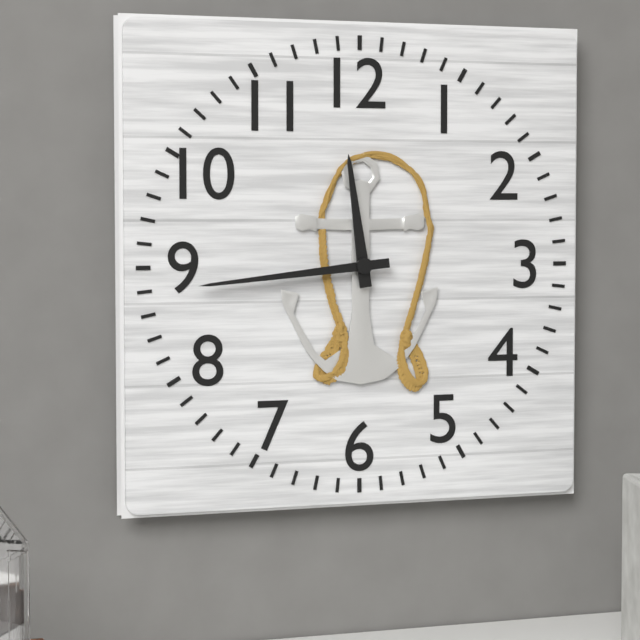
11.44
